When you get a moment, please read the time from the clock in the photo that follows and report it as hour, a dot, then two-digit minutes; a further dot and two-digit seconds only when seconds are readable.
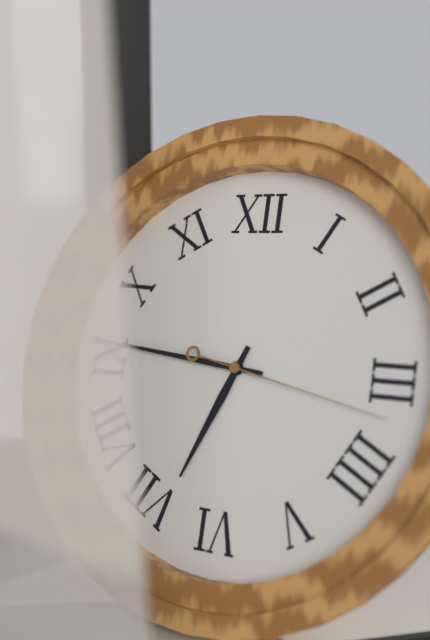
6.46.17
